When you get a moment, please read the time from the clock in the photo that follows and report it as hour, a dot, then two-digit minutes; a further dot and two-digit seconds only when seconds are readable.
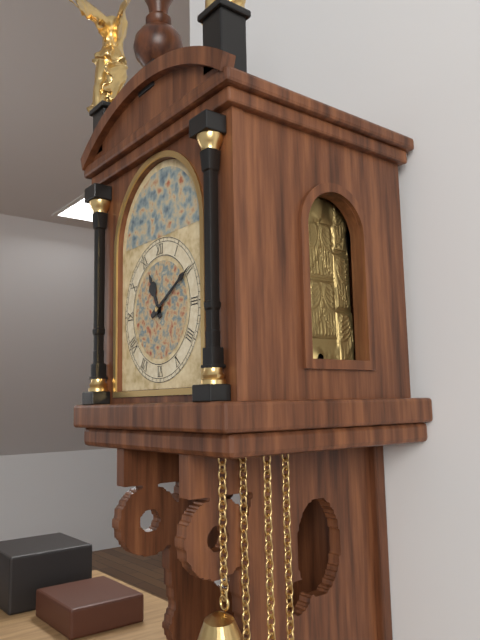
11.10
